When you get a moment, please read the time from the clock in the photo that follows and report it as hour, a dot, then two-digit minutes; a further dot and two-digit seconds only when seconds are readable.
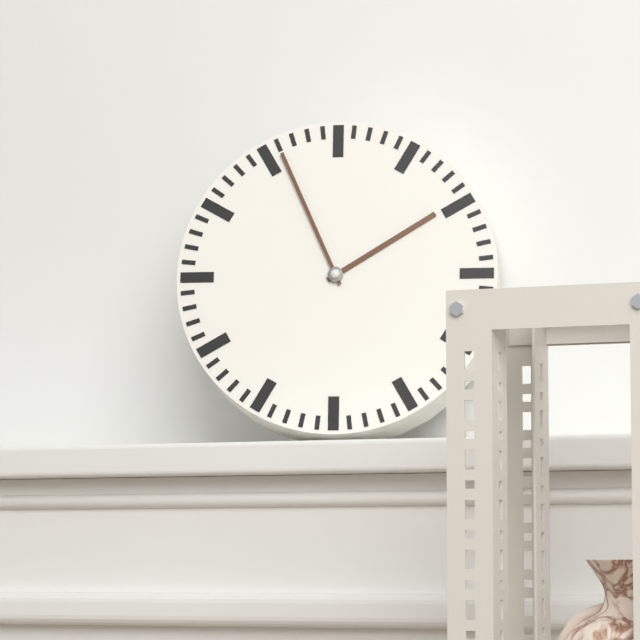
1.56
